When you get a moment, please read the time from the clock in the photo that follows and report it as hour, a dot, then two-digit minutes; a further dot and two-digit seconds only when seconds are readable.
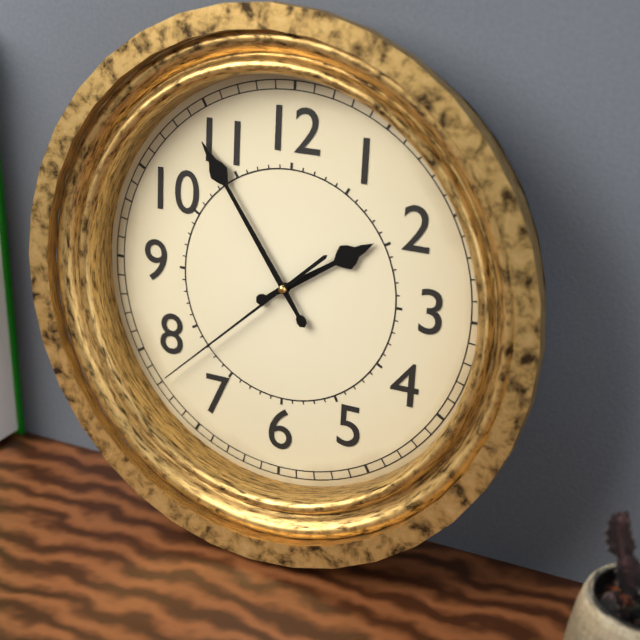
1.54.38
